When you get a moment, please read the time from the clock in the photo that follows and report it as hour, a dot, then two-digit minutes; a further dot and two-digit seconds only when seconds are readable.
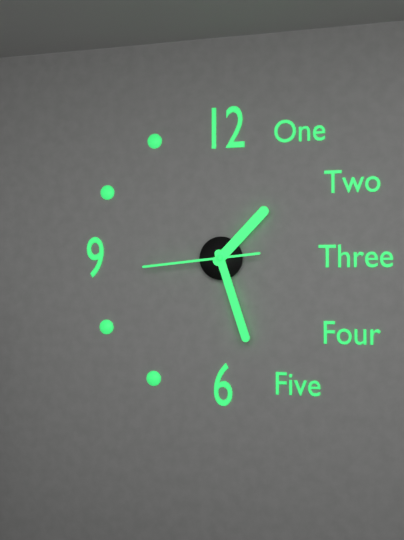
1.27.44
